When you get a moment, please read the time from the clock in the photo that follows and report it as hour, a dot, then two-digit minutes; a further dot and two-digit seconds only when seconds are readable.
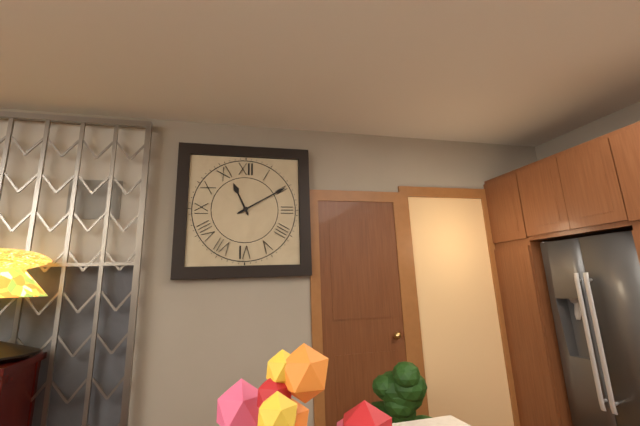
11.10
